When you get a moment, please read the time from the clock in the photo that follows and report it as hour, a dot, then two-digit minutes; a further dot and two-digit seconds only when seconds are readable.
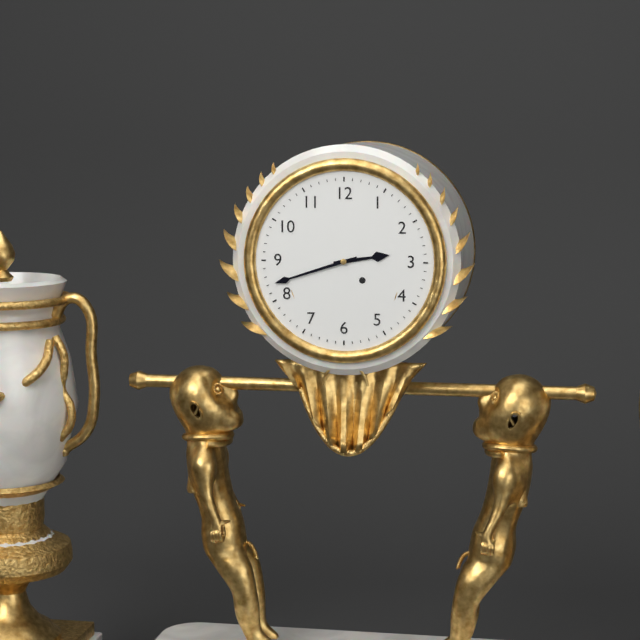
2.42
